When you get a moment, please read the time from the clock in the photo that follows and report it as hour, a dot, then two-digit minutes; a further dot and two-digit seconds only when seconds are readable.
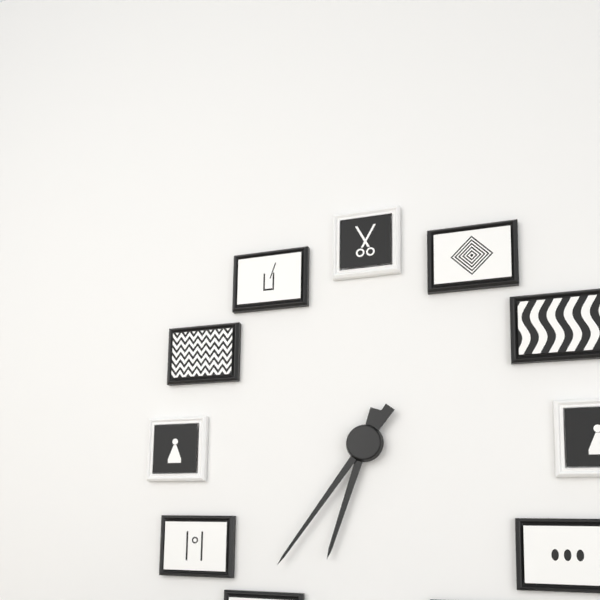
6.36
